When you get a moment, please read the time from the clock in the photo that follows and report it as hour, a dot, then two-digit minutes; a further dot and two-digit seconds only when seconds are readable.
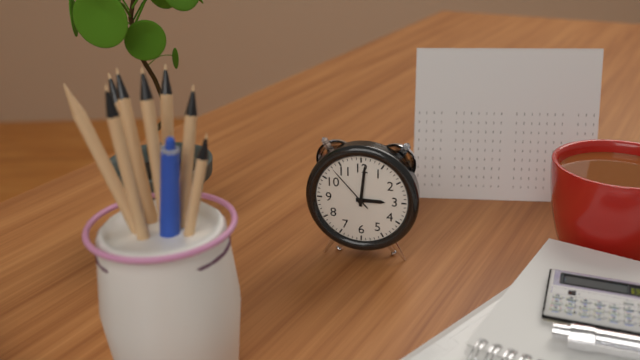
3.01.53
